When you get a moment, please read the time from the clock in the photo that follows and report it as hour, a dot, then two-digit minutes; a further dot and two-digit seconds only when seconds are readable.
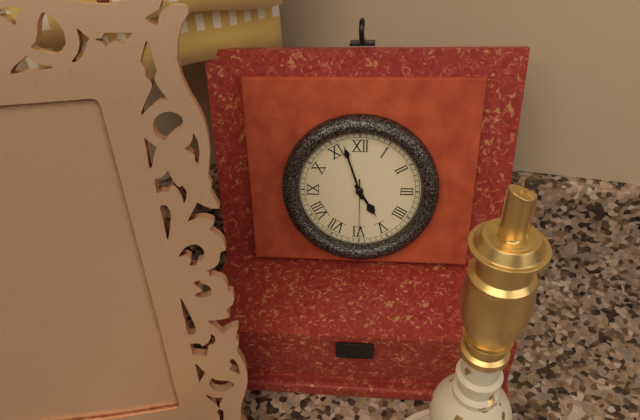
4.57.30
